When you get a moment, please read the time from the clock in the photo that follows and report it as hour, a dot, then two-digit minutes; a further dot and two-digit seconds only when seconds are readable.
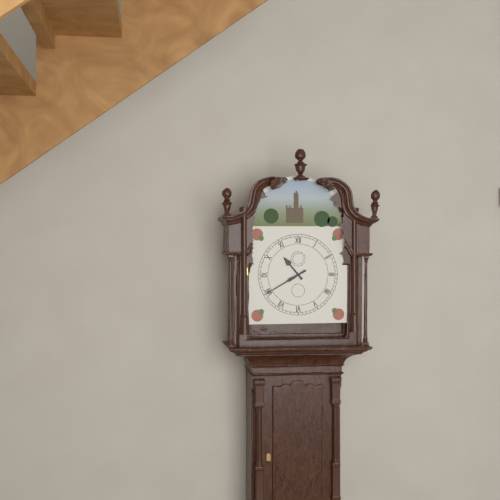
10.40
